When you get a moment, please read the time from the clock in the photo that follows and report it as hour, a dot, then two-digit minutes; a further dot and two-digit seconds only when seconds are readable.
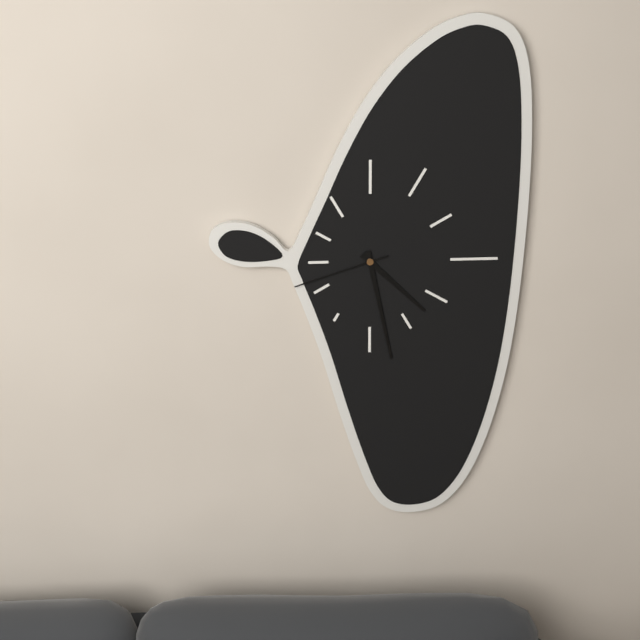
4.28.42
